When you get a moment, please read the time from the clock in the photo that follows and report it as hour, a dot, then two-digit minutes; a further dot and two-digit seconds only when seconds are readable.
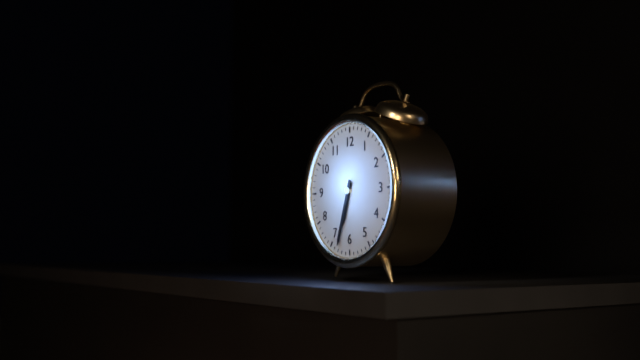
6.33
